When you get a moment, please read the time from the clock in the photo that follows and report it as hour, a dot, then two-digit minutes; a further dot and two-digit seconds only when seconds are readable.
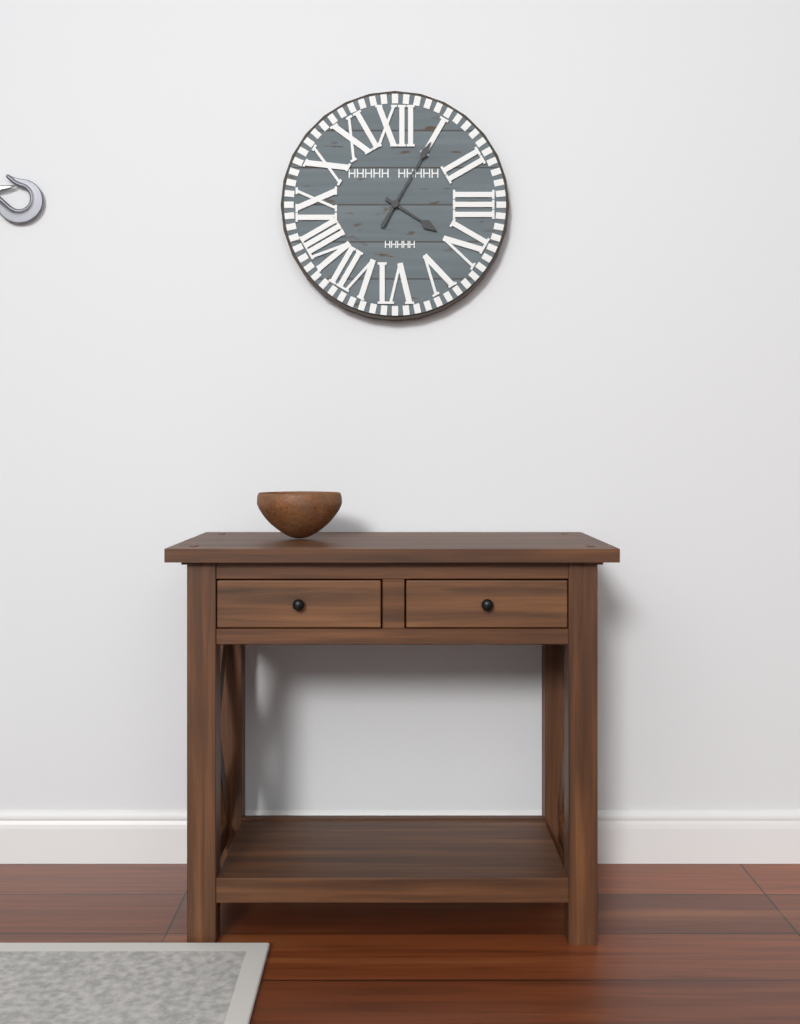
4.05
